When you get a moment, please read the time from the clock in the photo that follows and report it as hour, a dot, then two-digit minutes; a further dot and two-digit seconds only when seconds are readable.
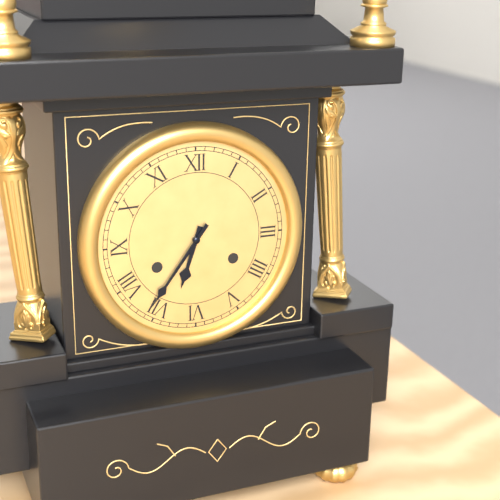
6.36
